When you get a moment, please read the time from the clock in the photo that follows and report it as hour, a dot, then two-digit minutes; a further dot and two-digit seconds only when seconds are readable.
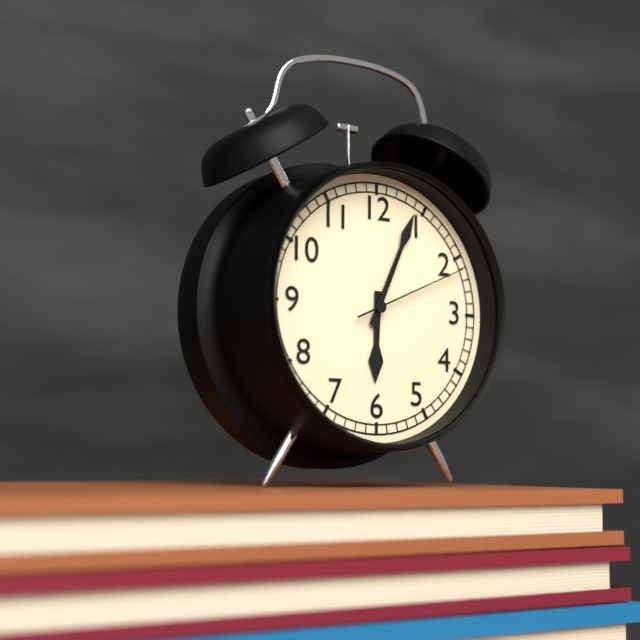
6.04.11
